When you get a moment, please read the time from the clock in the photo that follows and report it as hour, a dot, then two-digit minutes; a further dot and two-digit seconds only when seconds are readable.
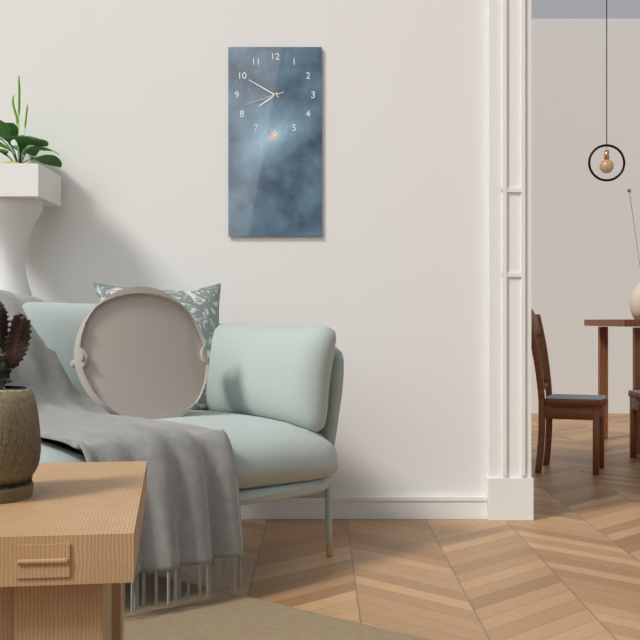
7.50
